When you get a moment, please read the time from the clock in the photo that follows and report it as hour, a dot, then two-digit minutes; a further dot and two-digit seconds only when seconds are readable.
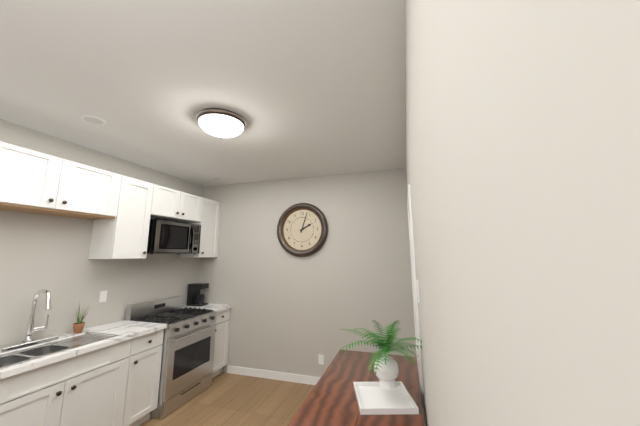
2.03
